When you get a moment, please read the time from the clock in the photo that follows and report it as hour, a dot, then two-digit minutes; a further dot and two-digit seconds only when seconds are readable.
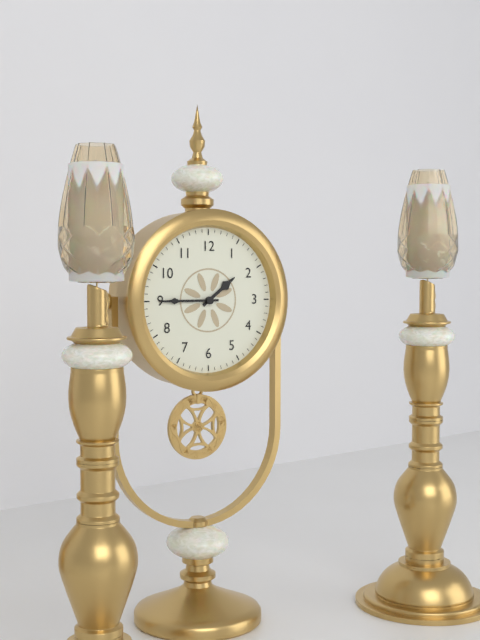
1.45
